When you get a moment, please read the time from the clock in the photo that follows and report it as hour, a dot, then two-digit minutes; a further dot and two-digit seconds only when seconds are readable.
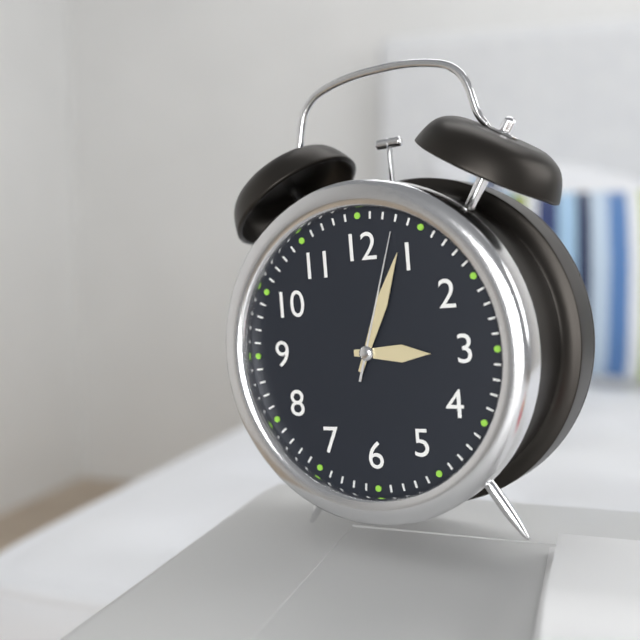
3.04.03
